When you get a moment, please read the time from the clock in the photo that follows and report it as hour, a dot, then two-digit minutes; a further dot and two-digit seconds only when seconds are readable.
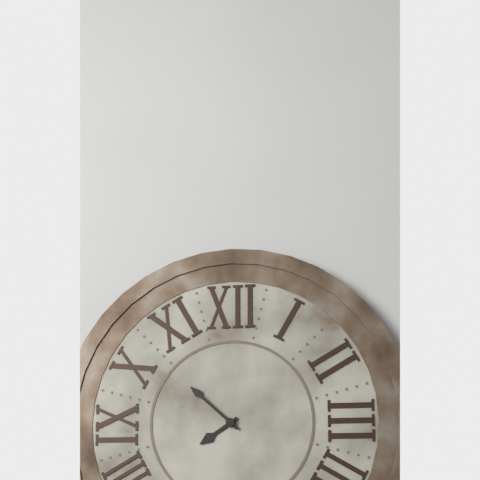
7.52
